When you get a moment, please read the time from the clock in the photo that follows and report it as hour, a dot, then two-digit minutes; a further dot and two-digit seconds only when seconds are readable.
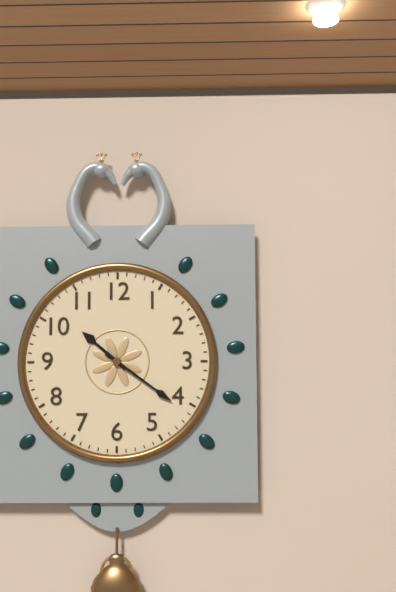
10.21
